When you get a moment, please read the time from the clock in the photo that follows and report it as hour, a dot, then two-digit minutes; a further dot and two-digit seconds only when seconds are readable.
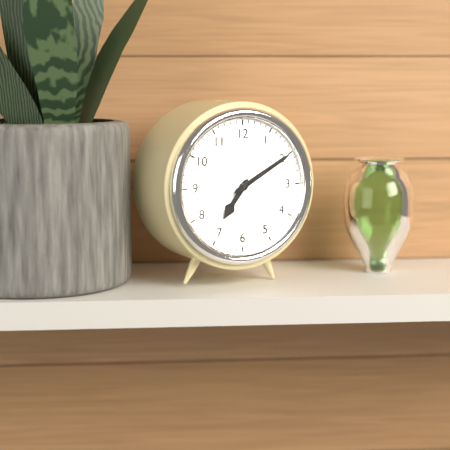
7.10
